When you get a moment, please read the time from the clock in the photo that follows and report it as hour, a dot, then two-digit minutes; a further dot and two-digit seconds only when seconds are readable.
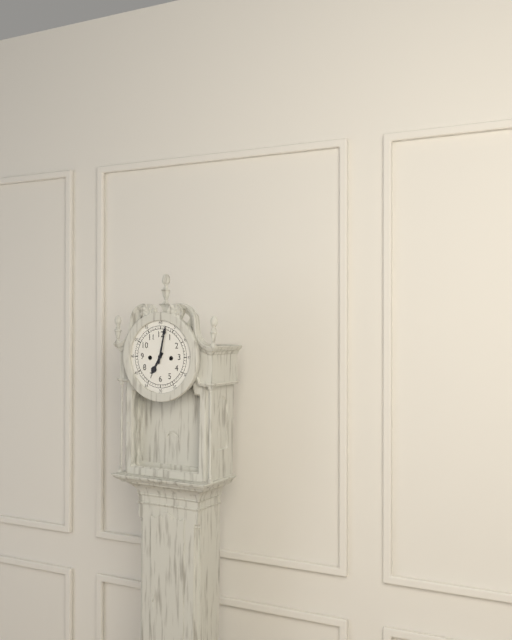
7.02
